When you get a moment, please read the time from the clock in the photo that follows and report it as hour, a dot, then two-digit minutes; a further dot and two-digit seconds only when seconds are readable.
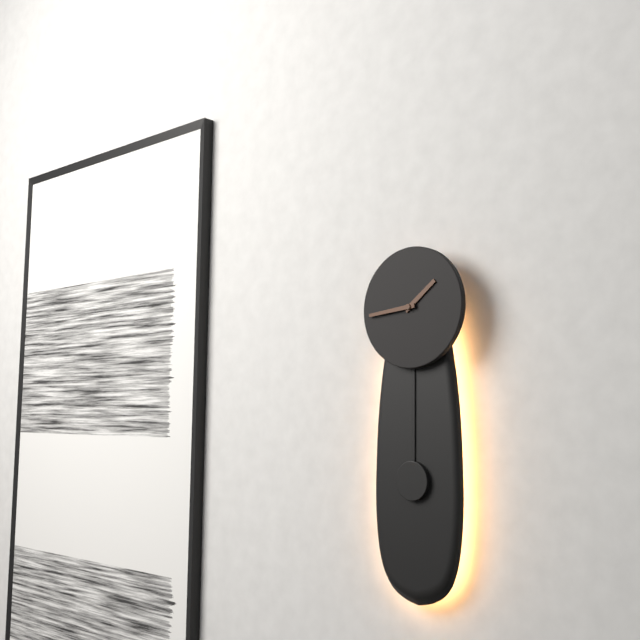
1.44
